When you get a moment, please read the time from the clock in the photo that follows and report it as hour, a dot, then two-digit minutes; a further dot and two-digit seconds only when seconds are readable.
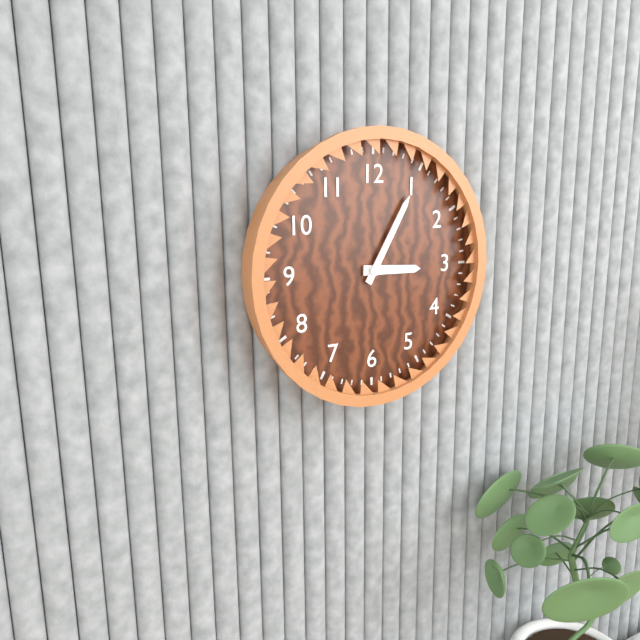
3.05
